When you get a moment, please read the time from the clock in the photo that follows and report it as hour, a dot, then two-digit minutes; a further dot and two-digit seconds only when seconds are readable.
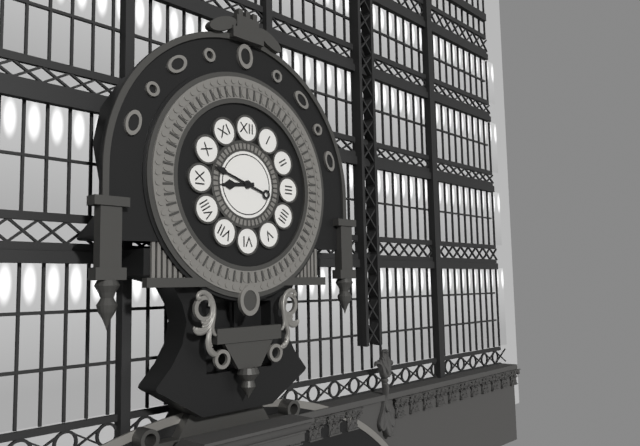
8.48
